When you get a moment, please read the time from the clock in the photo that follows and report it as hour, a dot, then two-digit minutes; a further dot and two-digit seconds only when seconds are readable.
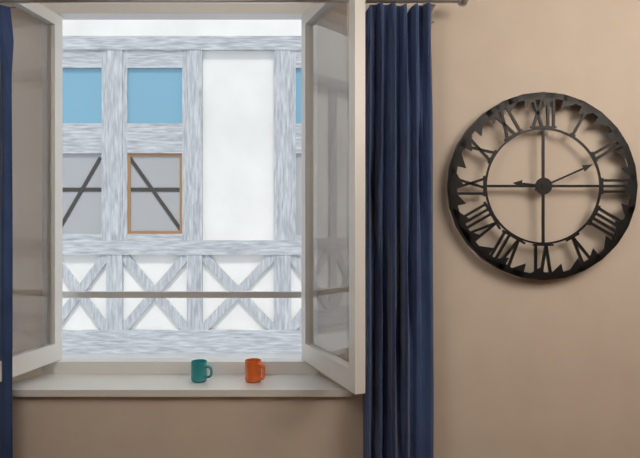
9.11
